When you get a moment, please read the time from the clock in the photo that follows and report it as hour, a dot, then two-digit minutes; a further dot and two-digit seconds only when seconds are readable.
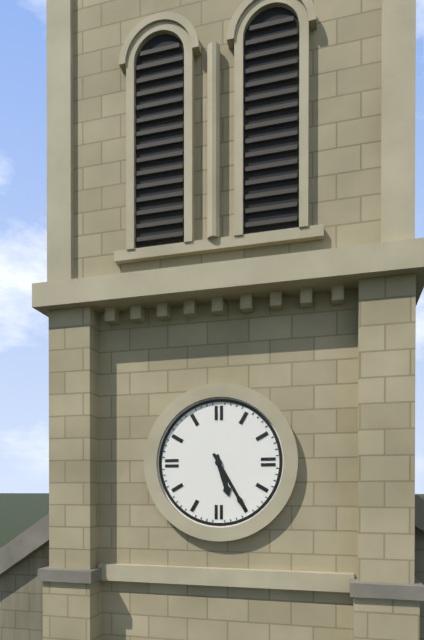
5.25
